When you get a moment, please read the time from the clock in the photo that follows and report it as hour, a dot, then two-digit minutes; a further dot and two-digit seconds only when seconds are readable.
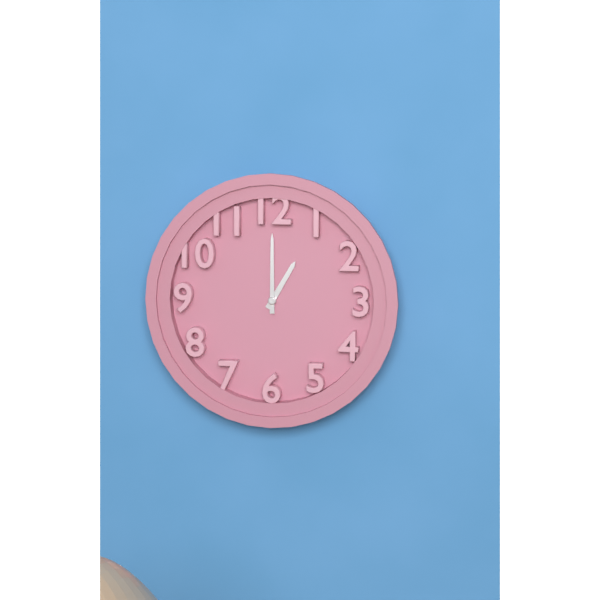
1.00
